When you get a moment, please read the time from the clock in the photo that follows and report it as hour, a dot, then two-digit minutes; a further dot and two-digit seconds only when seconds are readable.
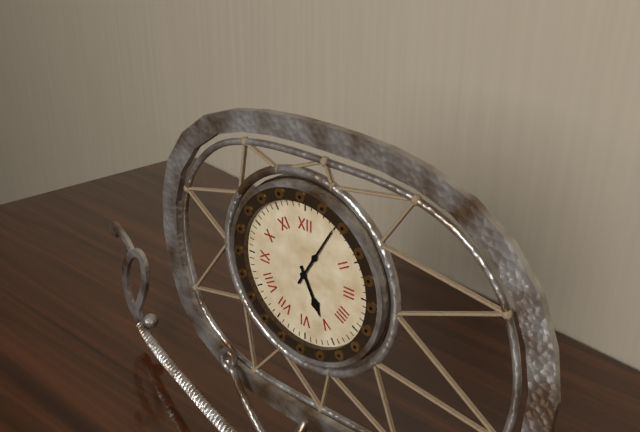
5.05
